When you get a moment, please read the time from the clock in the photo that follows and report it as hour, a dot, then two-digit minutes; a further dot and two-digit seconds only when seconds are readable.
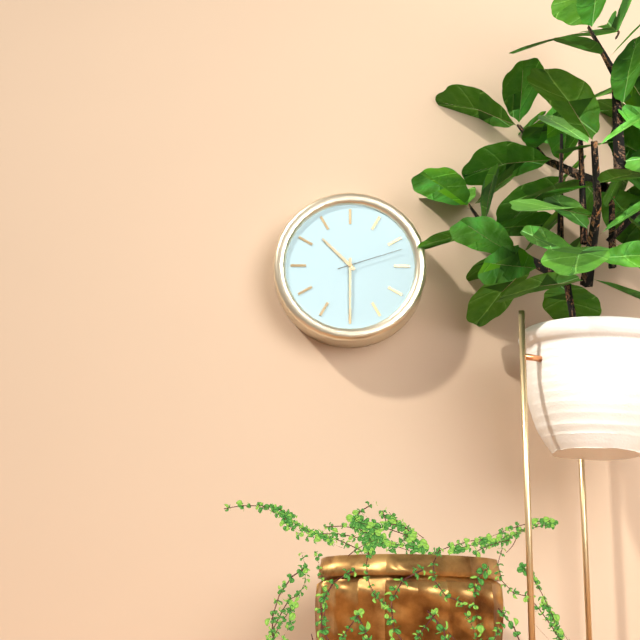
10.30.12
